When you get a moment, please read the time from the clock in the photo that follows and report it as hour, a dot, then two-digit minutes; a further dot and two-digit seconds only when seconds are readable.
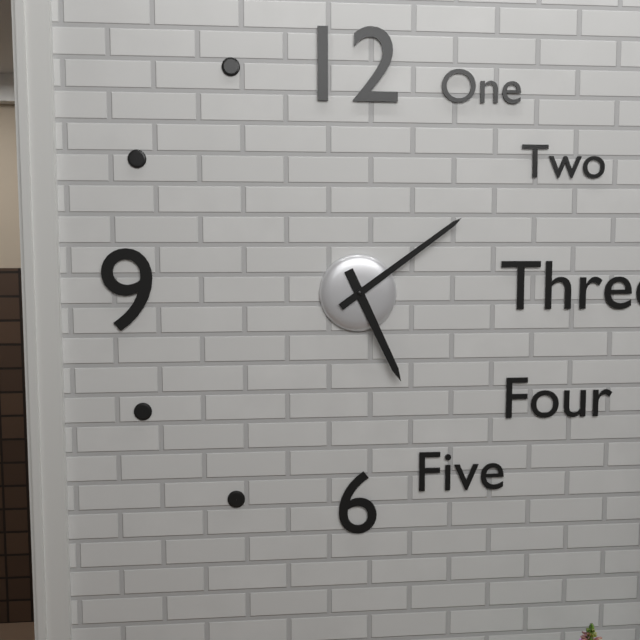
5.09
